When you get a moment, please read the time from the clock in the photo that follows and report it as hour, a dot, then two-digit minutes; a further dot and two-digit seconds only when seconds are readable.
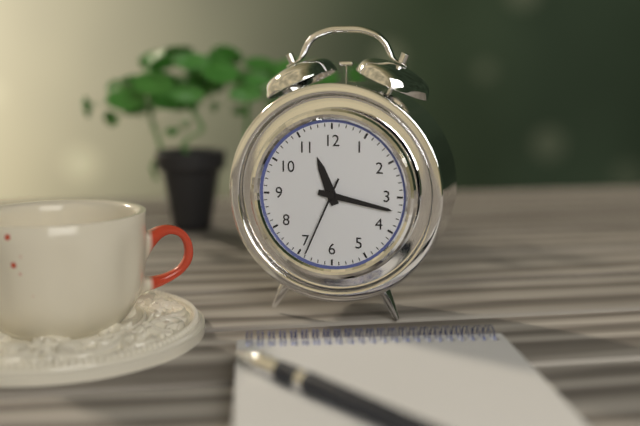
11.17.34
